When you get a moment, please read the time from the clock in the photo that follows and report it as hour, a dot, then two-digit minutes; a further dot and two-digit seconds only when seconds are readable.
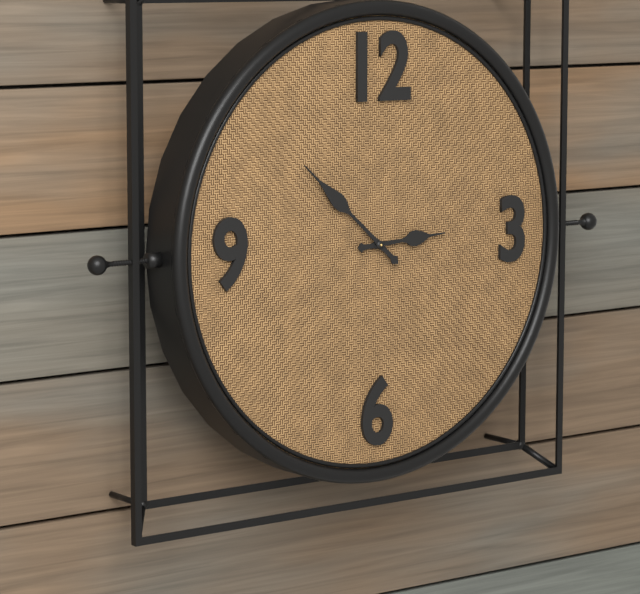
2.52
